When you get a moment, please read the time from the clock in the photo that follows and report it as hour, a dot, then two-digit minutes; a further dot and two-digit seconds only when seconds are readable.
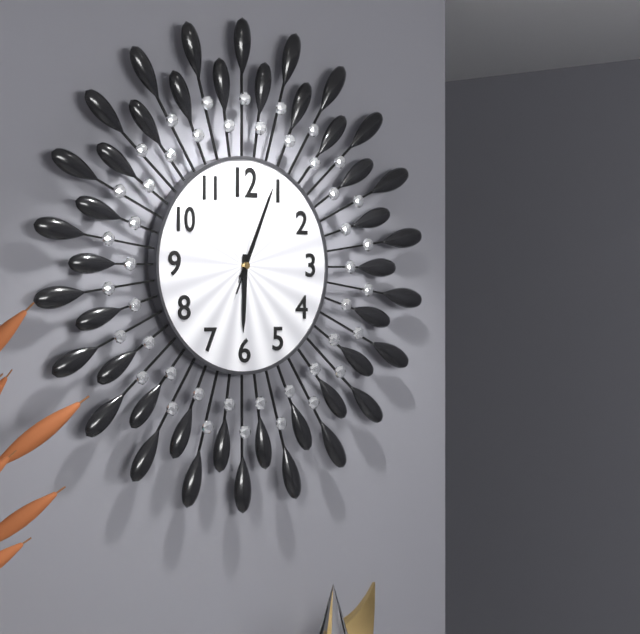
6.04.04
